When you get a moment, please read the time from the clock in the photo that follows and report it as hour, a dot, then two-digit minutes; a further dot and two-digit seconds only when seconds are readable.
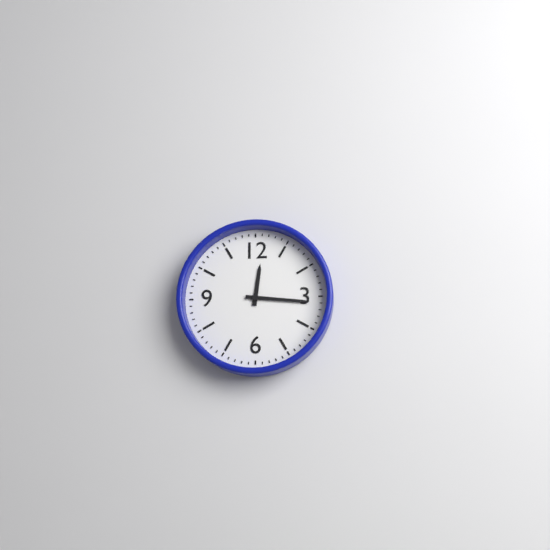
12.16
